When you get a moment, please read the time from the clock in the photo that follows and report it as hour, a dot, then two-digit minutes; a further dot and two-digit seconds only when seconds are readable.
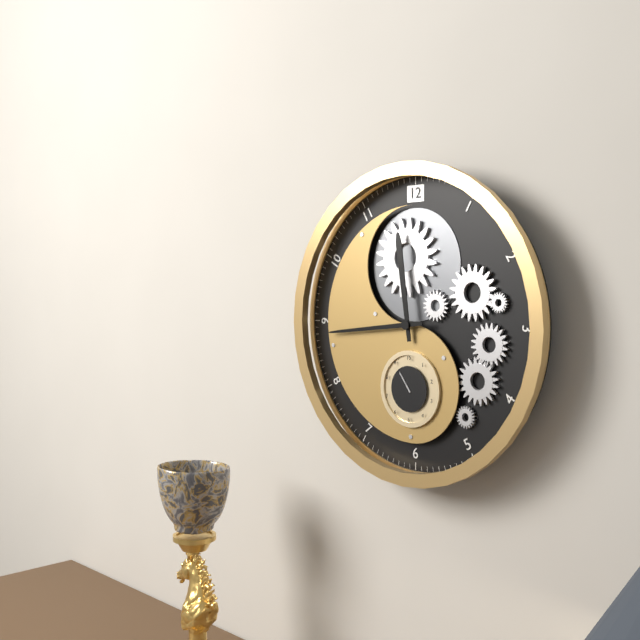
11.44
